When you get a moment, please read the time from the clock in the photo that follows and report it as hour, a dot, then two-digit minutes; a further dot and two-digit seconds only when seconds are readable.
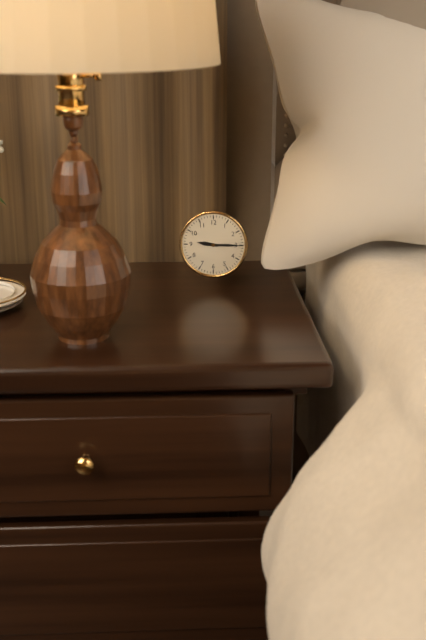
9.15
